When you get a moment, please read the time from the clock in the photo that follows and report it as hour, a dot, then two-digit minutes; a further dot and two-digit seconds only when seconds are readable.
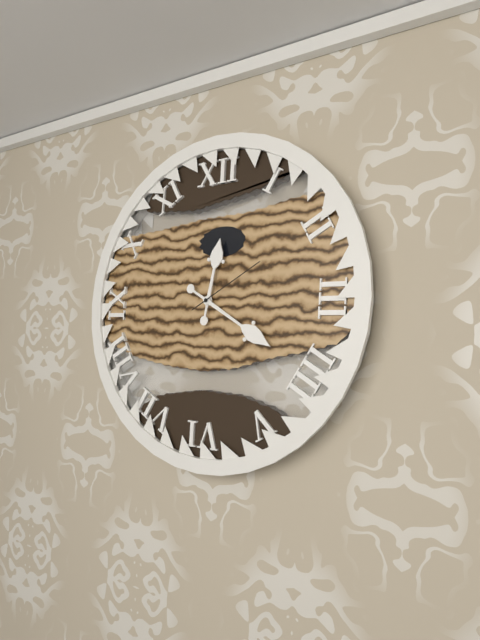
12.20.10
